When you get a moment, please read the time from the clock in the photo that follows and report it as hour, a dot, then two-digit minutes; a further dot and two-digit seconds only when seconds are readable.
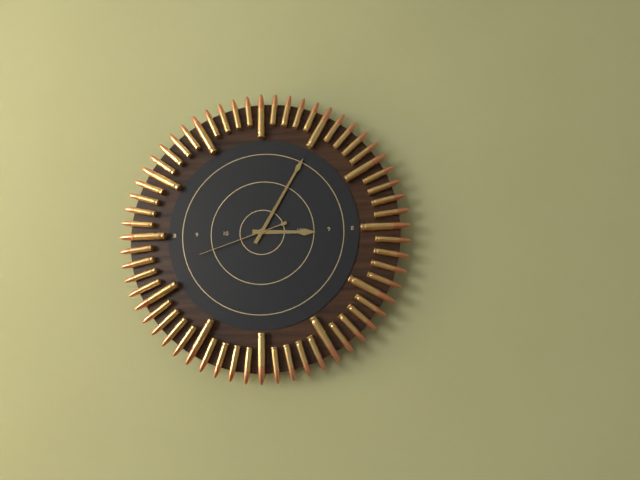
3.05.42
